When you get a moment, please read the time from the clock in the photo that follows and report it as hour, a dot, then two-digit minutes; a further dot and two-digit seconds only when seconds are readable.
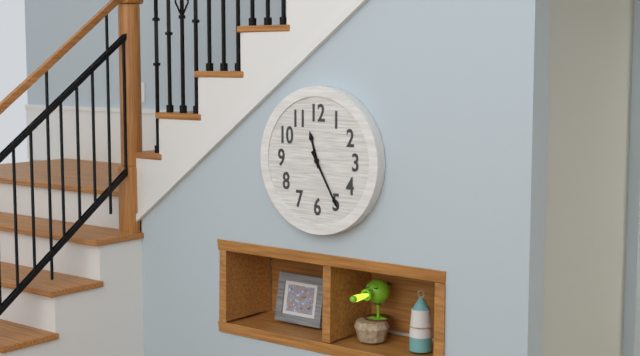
11.25
